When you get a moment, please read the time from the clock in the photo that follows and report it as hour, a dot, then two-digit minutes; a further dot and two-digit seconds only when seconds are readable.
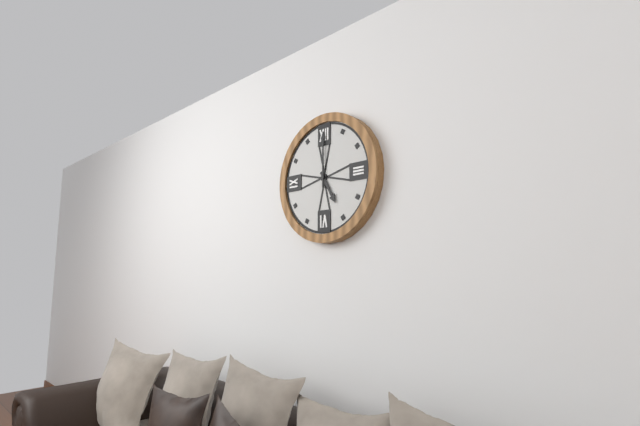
5.00
